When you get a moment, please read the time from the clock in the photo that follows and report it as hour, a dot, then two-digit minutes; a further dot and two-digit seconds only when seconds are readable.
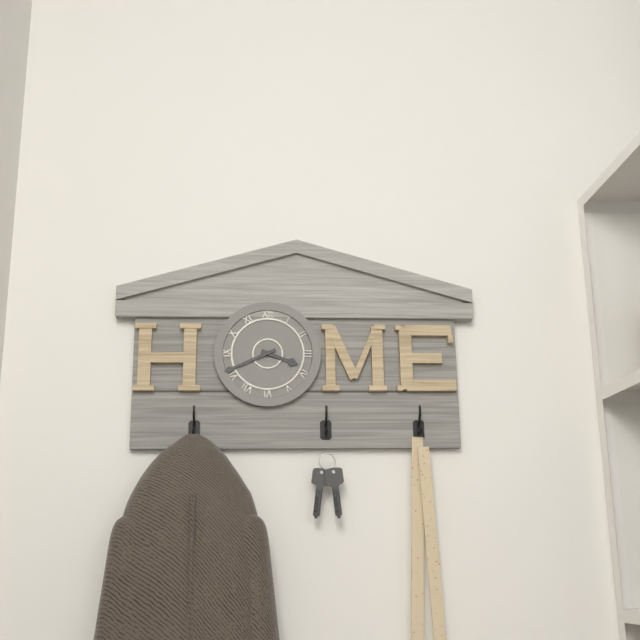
3.41
